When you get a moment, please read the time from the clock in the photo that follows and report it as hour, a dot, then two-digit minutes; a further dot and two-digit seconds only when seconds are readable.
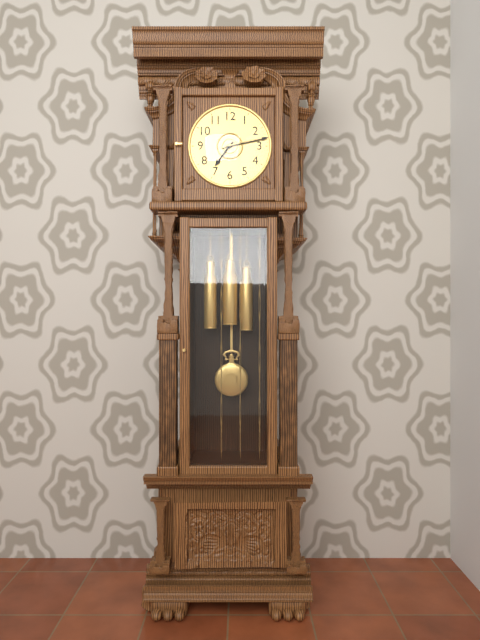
7.13
